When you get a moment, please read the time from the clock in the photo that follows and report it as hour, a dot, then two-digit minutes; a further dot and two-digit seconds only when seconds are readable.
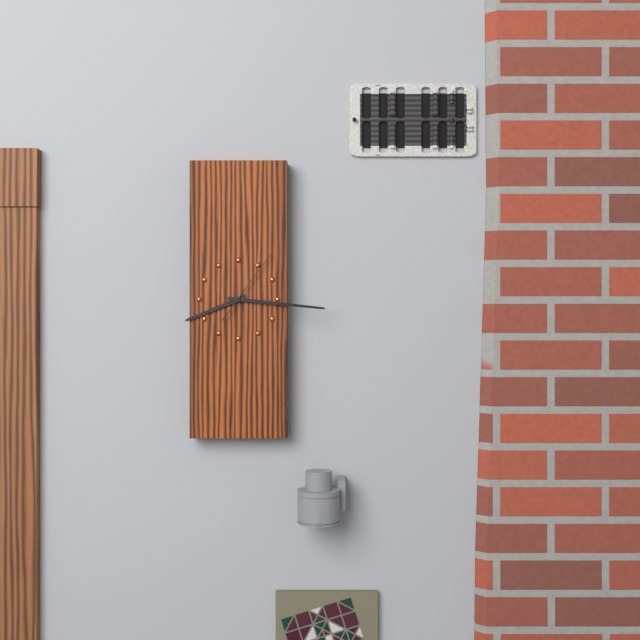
8.16.06
